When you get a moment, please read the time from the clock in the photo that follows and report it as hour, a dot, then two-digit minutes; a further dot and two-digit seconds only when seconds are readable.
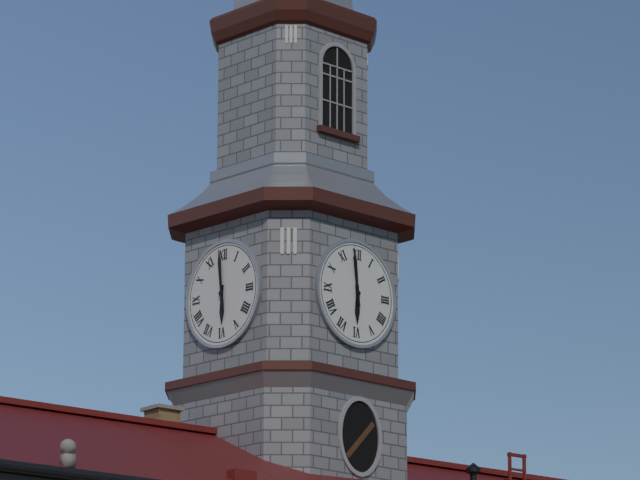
5.59
